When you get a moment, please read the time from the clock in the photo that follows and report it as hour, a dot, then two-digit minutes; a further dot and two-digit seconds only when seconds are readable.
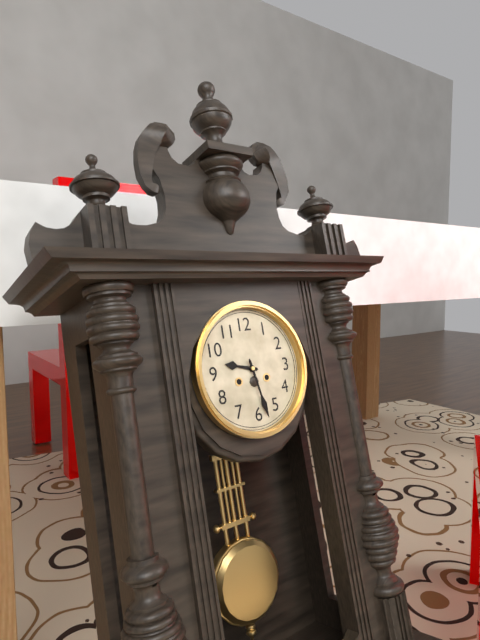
9.28
